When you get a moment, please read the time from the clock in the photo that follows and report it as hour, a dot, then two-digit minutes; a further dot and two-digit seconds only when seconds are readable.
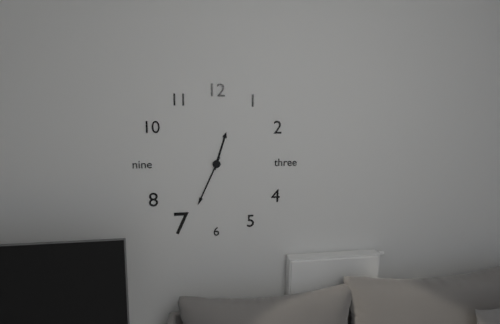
12.34
